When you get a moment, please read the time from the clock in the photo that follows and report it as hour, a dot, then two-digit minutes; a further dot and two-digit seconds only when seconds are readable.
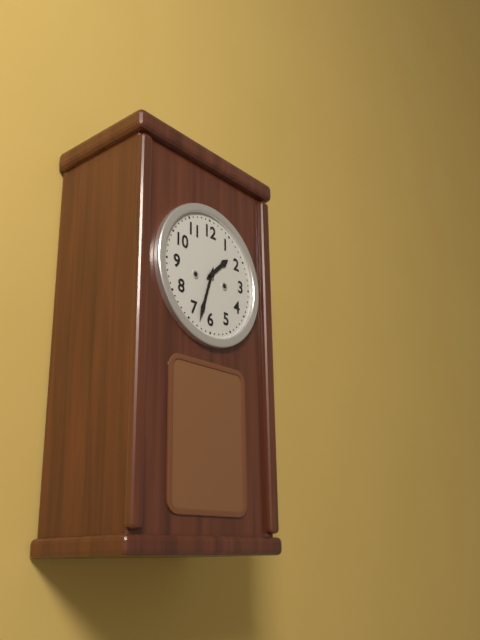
1.33
